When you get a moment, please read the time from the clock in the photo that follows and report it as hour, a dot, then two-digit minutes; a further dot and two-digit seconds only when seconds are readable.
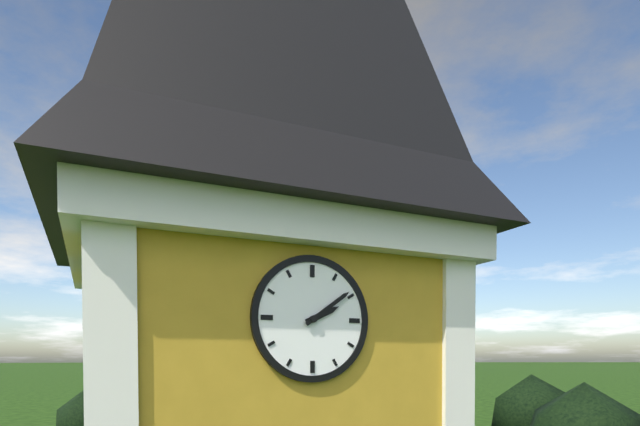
2.09
